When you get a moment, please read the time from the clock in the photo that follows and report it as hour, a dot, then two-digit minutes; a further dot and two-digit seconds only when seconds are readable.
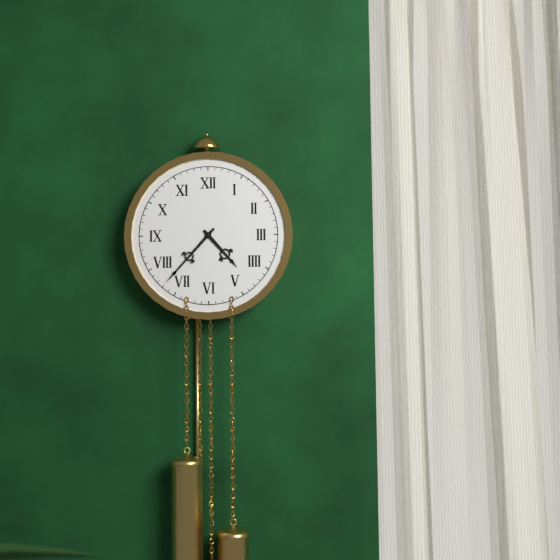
4.37
